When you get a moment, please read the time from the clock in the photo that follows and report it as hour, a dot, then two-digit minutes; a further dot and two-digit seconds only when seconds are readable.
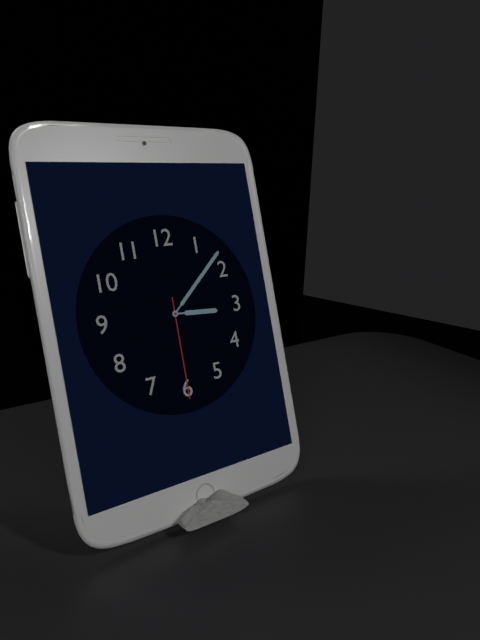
3.08.30
